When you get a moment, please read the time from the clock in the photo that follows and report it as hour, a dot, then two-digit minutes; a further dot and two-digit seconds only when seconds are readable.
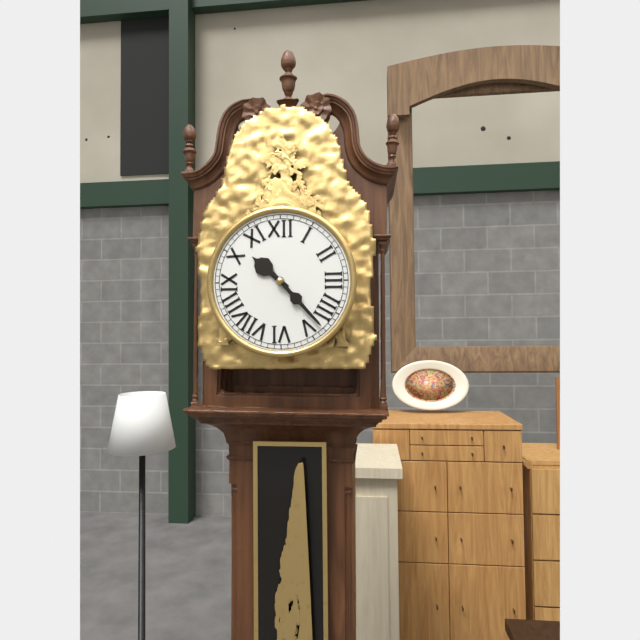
10.23
